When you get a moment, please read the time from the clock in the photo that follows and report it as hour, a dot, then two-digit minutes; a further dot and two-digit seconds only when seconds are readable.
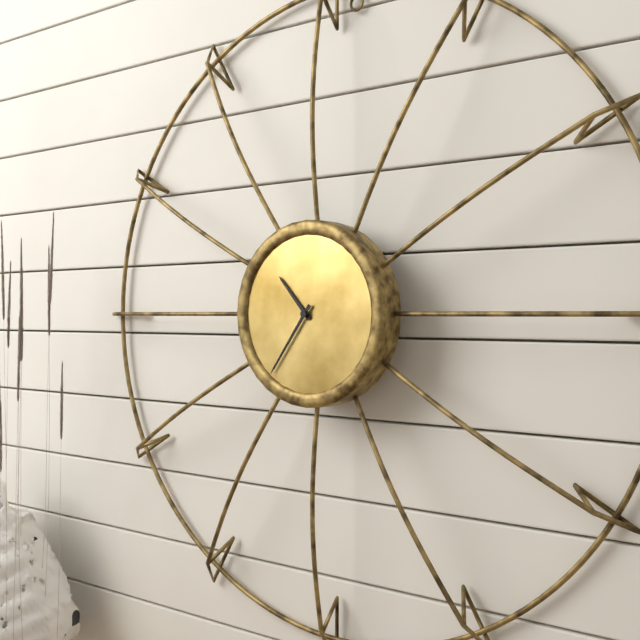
10.36
